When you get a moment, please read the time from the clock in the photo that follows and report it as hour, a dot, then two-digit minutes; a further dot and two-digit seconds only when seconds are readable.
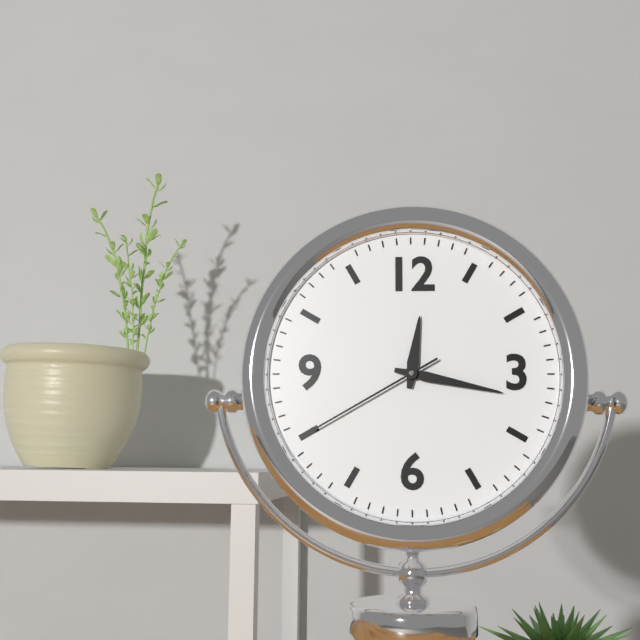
12.17.40
